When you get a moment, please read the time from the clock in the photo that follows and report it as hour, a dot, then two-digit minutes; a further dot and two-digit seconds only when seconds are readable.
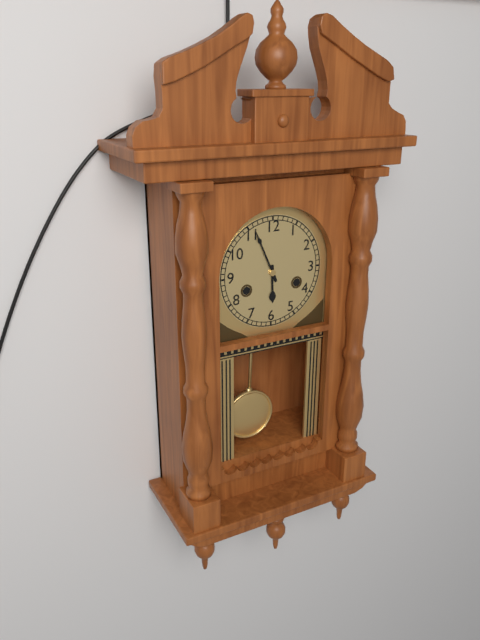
5.56
